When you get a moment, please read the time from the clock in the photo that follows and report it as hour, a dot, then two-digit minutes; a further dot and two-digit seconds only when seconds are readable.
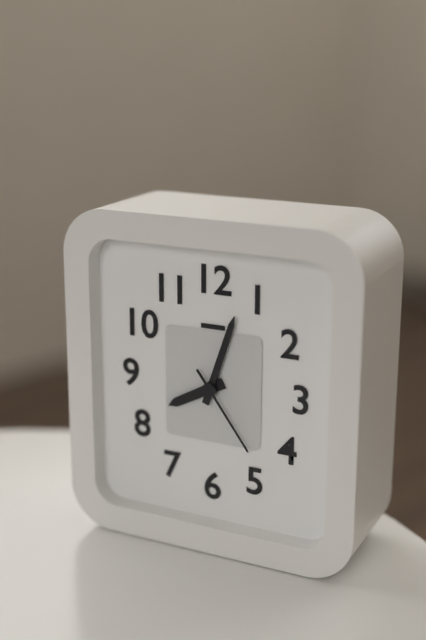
8.03.24
